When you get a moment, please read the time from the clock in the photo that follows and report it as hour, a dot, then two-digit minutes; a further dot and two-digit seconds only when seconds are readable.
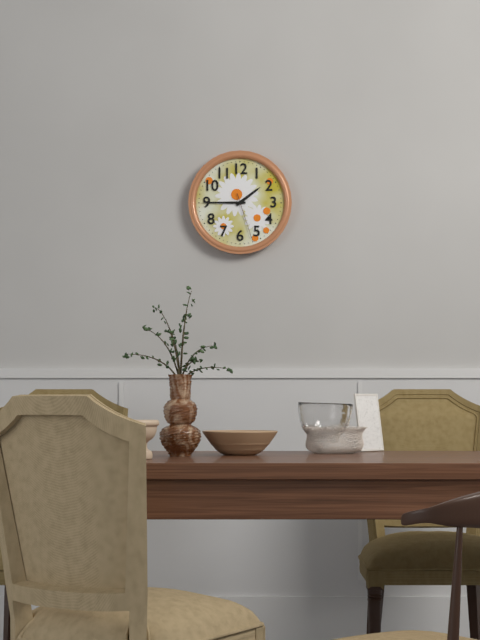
1.45
